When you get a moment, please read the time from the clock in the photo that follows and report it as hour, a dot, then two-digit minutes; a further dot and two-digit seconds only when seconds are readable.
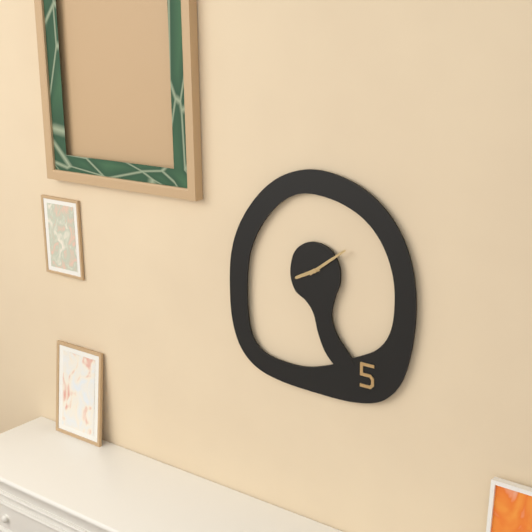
8.09
